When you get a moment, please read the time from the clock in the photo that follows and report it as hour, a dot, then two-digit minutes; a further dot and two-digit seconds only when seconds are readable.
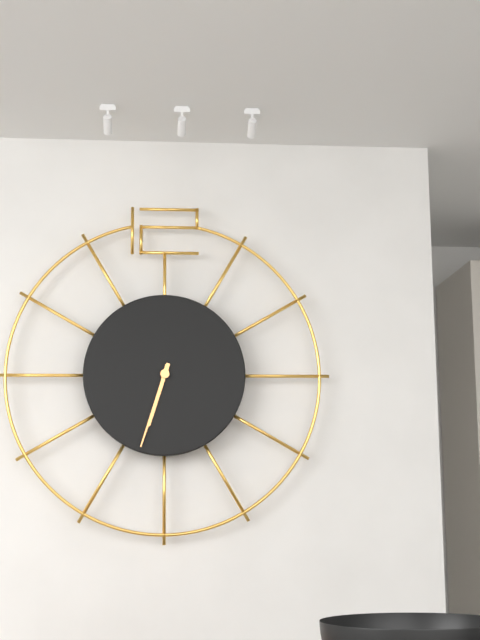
6.33
